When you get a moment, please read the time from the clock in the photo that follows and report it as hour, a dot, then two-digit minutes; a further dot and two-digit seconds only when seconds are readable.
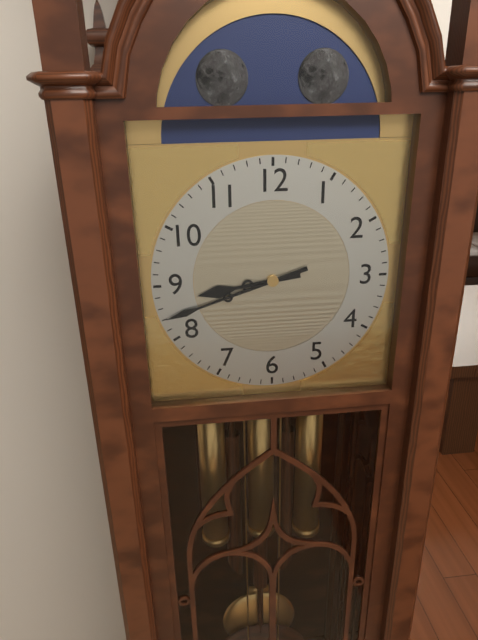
8.42
